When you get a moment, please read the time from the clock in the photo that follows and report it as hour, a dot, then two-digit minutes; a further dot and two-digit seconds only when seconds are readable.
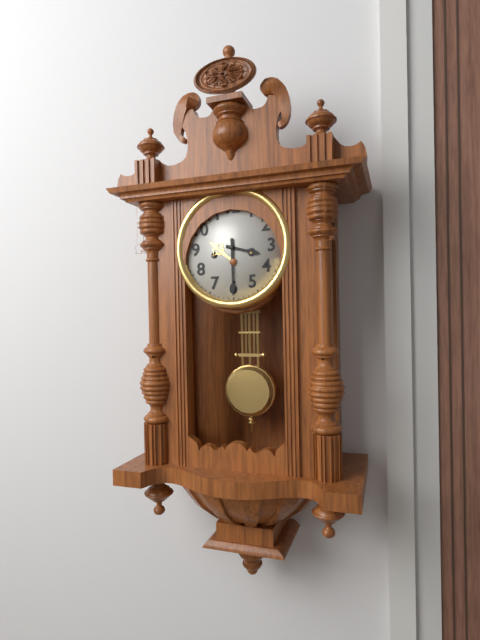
3.30
